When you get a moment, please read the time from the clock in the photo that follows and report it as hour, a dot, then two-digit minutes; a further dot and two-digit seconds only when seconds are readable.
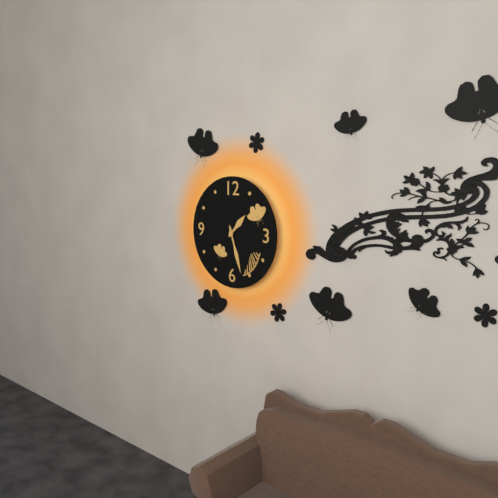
1.27
